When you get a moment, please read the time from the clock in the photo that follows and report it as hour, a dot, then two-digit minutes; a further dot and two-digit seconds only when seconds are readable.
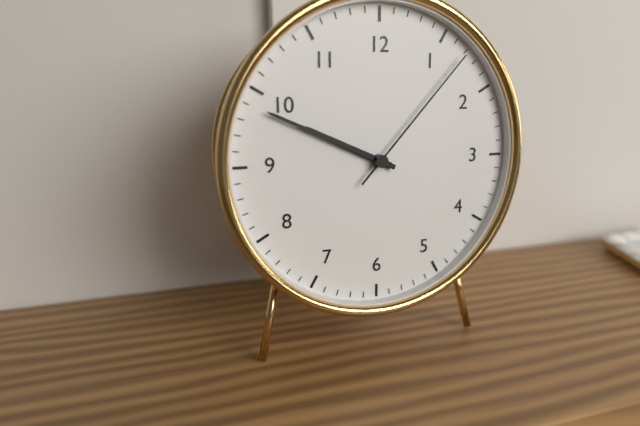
9.49.07
